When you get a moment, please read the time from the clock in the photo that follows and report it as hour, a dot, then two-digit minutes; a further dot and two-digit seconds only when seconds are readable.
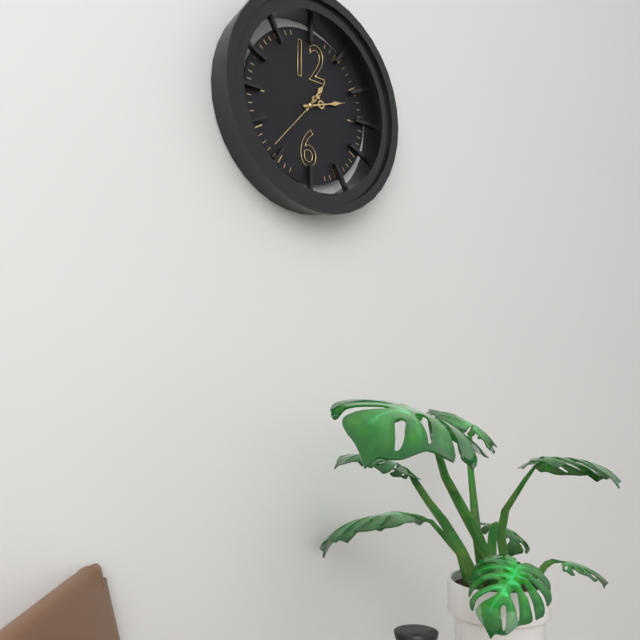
1.12.37
